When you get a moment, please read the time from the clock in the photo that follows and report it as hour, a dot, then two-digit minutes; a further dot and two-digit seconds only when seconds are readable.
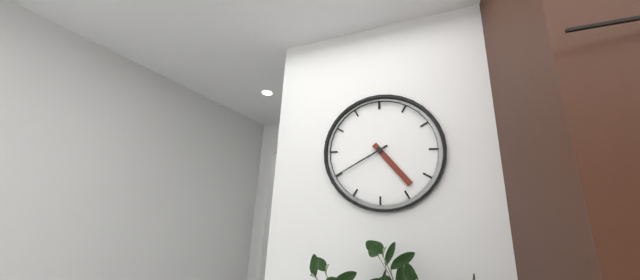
4.40
